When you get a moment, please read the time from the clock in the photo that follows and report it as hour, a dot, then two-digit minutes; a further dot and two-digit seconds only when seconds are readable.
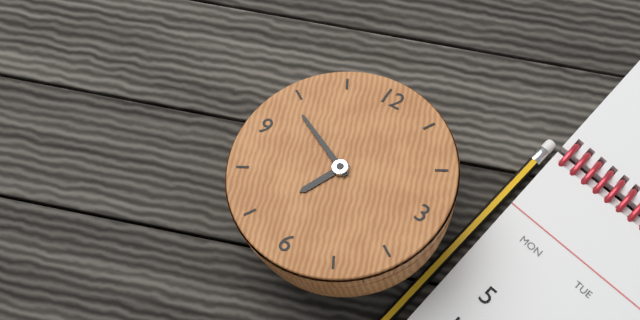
6.49
